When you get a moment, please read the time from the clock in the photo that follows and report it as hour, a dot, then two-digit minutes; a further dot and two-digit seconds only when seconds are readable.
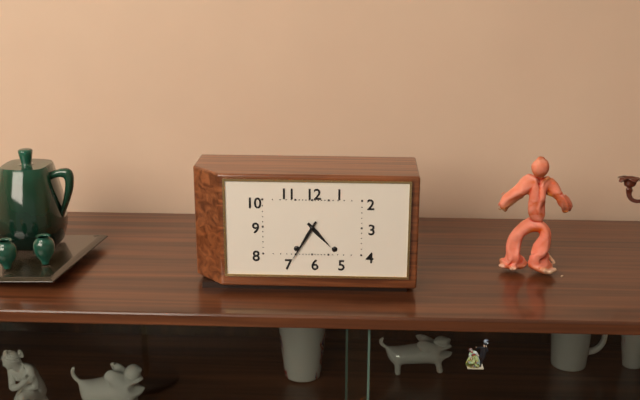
4.35
